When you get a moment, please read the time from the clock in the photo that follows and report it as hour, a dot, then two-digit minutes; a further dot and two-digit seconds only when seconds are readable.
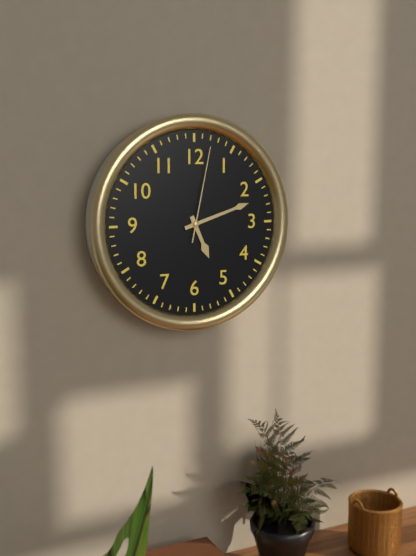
5.12.02
